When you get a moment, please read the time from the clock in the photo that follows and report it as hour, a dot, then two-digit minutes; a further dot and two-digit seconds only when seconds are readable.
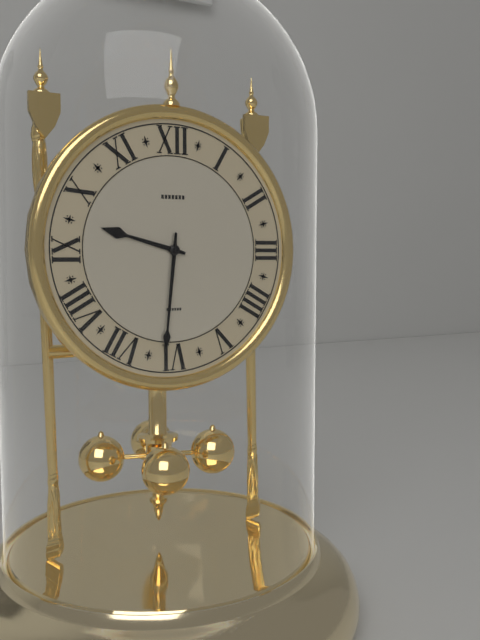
9.31
